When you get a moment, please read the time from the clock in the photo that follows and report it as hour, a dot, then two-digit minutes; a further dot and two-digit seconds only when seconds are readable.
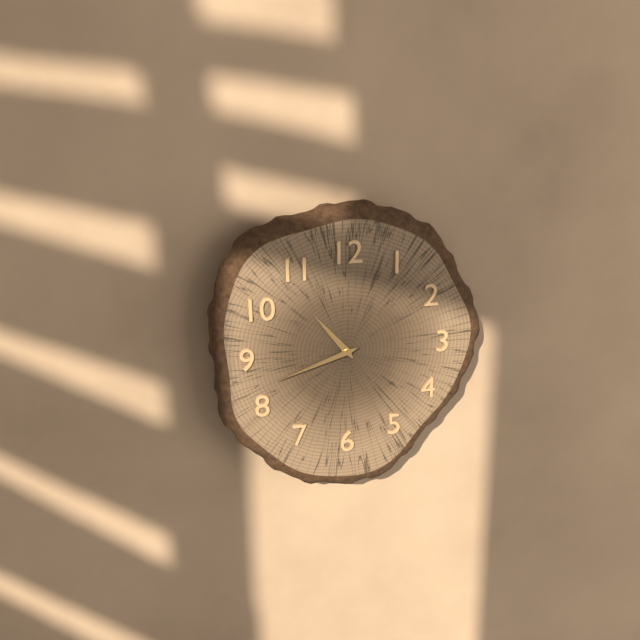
10.42
